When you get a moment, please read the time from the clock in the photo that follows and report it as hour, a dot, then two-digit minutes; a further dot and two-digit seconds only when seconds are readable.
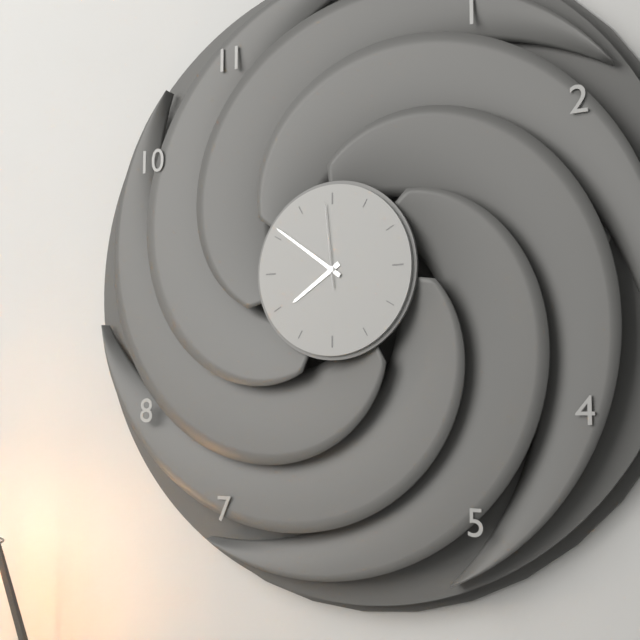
7.51.59
